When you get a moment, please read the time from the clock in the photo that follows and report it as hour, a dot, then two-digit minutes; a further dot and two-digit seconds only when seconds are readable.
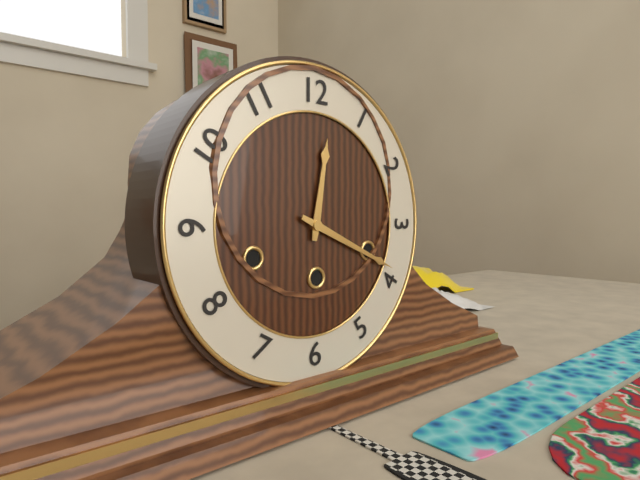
12.19
